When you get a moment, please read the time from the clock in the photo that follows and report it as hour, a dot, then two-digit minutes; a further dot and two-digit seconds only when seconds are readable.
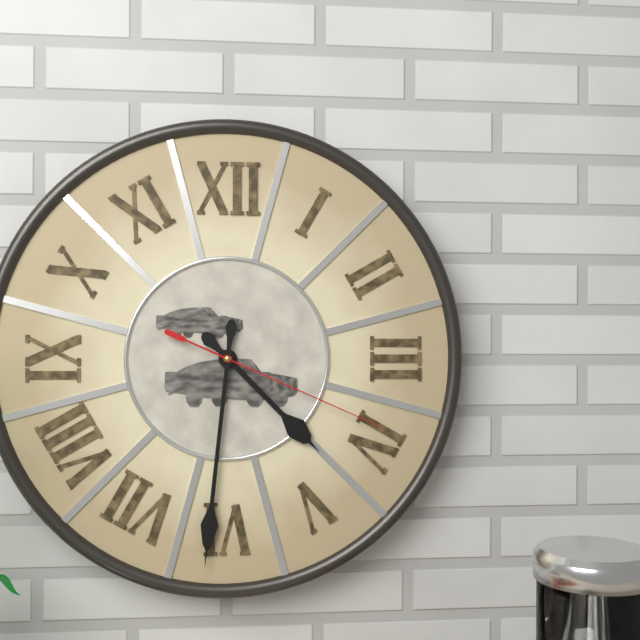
4.31.19
